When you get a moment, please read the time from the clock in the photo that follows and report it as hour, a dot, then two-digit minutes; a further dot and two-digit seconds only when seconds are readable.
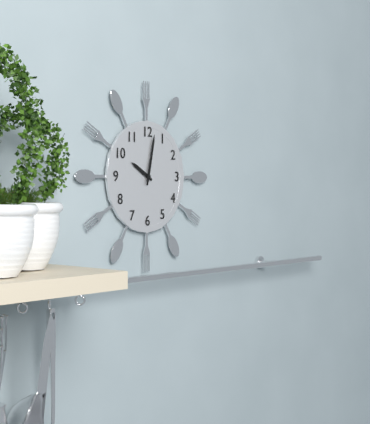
10.02
